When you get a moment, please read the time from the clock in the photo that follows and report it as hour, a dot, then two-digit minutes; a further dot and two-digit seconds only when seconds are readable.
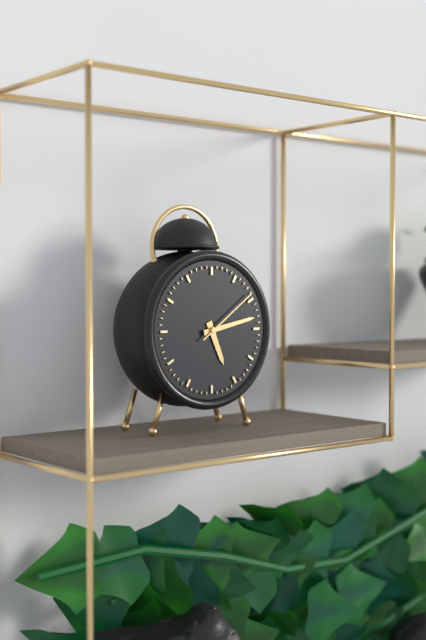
5.13.09
